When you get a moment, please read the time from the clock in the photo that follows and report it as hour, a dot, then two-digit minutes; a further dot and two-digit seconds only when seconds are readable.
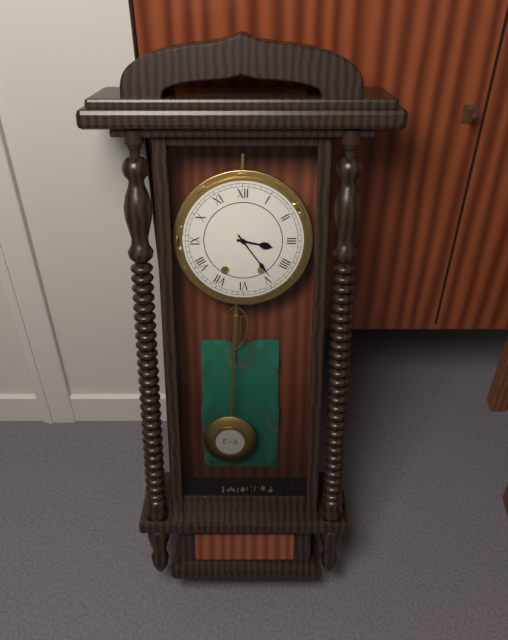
3.24
